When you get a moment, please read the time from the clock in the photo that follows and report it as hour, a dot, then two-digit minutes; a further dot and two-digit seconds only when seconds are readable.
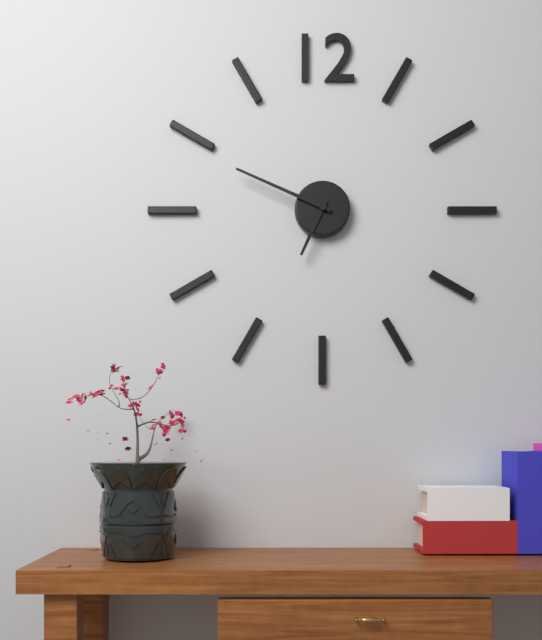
6.49
